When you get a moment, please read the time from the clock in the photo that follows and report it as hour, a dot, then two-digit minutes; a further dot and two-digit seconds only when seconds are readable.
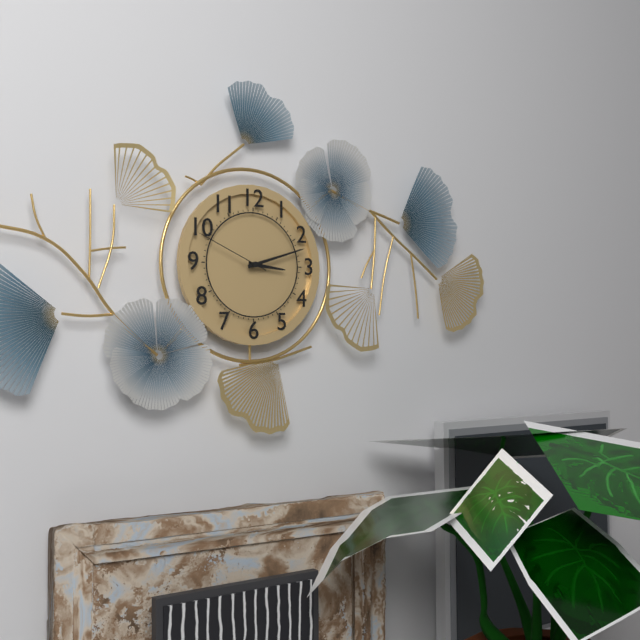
3.12.49
